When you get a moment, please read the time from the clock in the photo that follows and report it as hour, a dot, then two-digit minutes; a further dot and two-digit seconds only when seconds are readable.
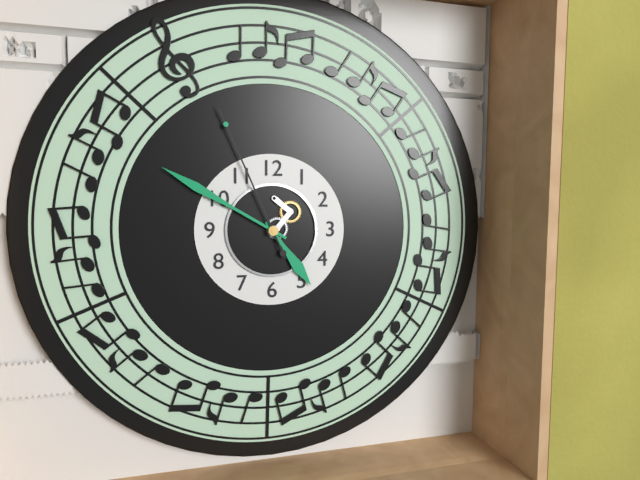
4.50.56
